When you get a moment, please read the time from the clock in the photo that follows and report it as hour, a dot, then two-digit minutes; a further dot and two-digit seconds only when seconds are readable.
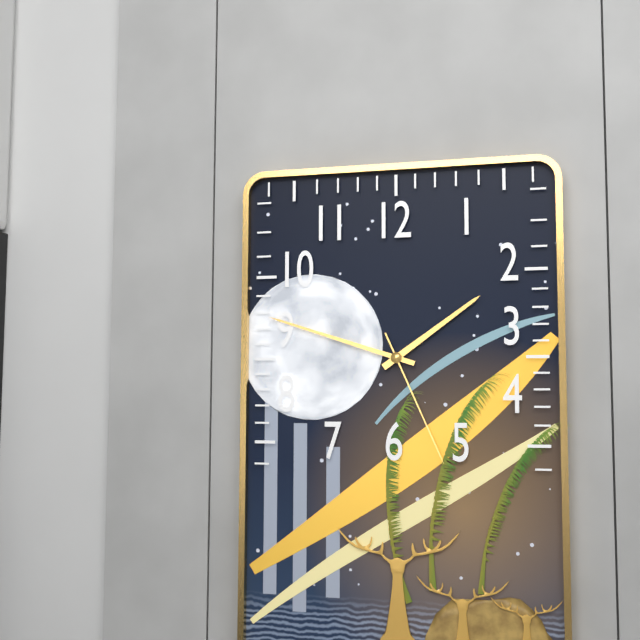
1.48.26
